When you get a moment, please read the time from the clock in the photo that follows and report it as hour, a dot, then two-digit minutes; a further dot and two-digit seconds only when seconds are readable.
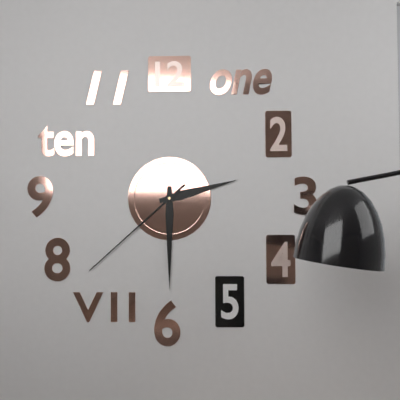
2.30.38
